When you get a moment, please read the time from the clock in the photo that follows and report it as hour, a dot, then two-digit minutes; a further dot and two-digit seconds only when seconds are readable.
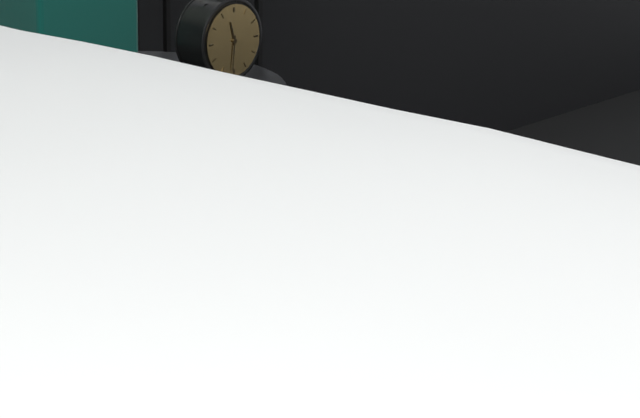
11.31
